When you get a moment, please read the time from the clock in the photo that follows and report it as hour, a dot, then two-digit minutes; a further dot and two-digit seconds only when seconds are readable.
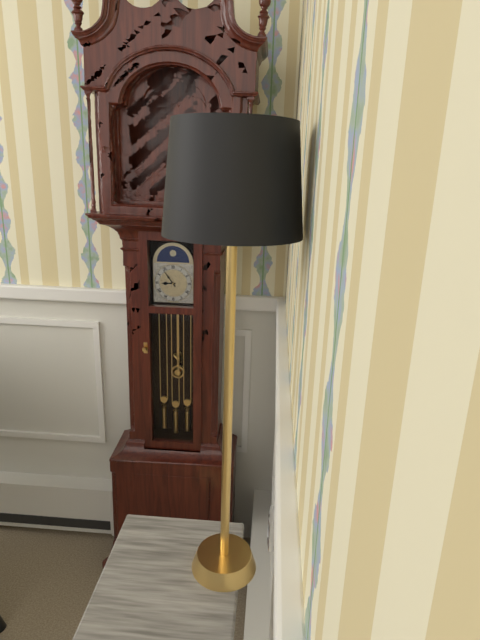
8.54
